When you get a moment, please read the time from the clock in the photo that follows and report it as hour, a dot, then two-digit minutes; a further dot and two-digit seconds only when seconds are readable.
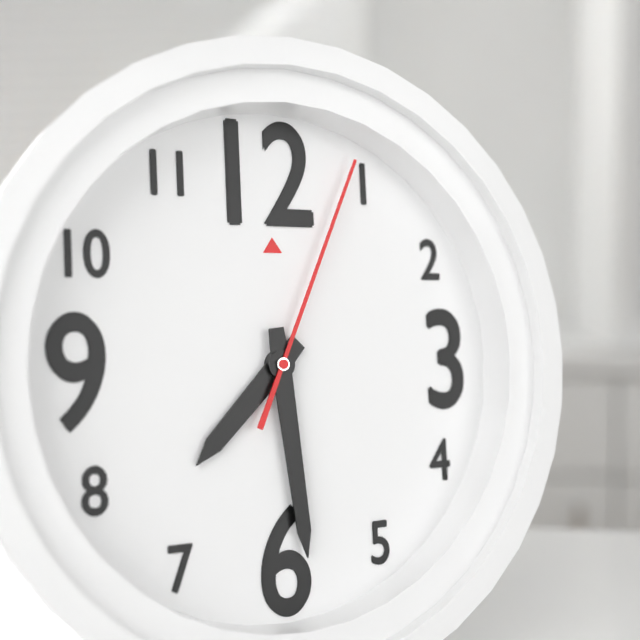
7.29.04
